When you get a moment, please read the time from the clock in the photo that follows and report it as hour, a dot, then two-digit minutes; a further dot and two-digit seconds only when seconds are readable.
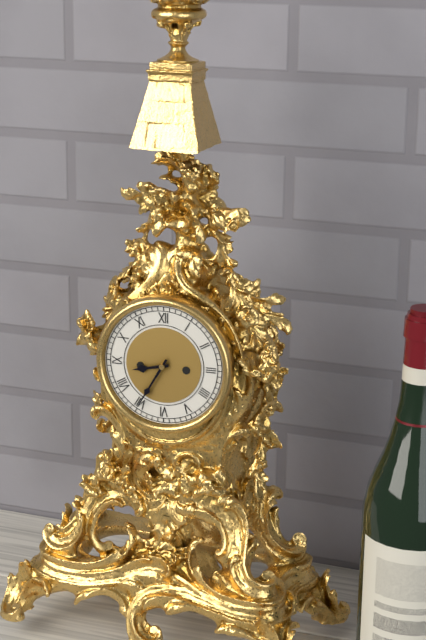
8.35
